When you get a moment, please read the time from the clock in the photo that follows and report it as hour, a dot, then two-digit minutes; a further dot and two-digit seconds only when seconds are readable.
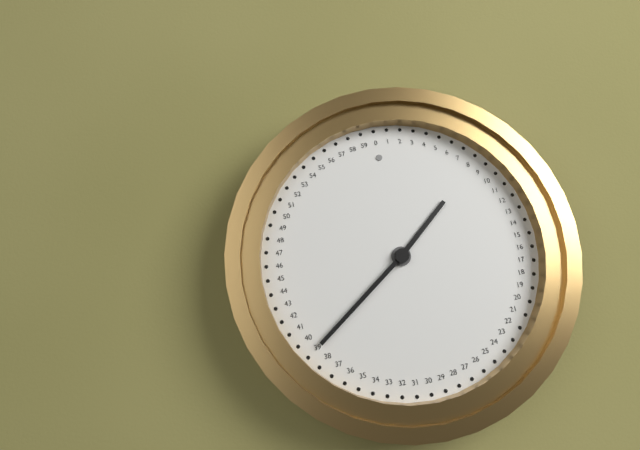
1.39
